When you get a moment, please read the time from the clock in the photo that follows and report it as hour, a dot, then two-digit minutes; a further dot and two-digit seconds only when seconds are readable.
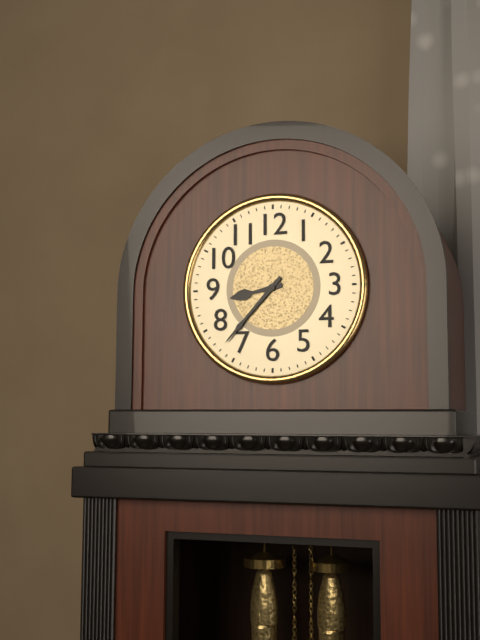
8.37
